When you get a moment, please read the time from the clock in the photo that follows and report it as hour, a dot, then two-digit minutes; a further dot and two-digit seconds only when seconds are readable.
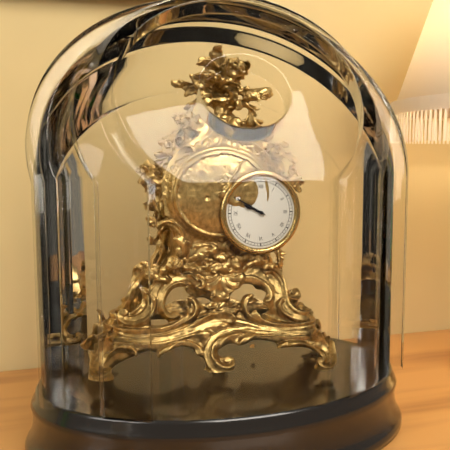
9.50
